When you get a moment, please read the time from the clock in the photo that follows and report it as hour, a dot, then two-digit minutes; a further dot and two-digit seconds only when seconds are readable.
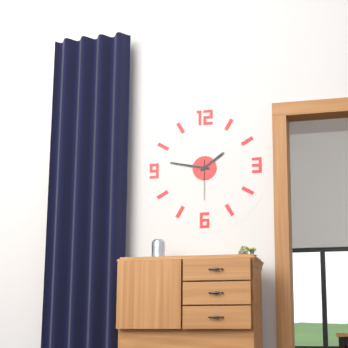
1.47
